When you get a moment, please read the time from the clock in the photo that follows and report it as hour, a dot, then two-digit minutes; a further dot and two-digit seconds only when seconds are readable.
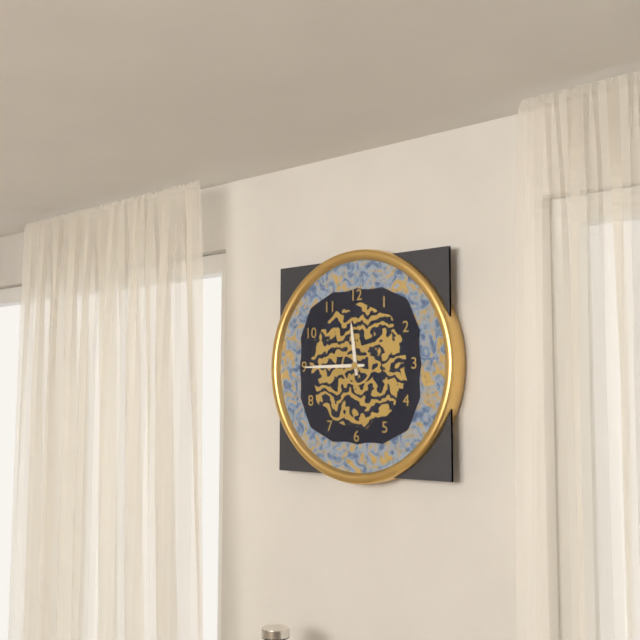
11.45
